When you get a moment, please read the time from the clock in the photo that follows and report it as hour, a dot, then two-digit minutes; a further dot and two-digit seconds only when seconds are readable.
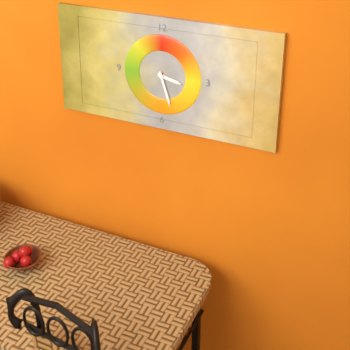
3.27
